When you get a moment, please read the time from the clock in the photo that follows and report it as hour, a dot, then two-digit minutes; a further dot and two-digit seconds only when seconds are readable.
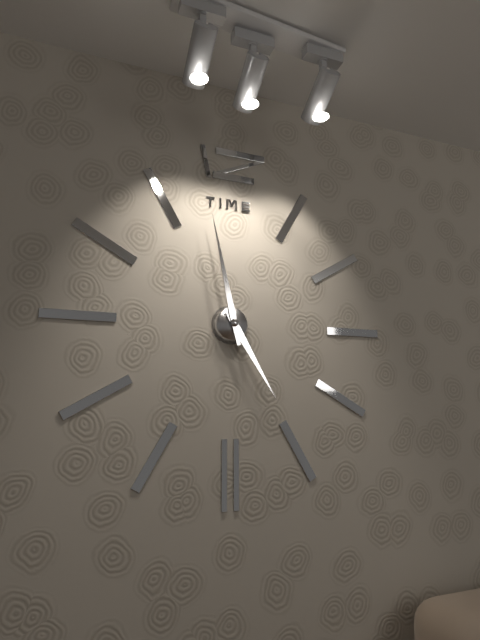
4.58
